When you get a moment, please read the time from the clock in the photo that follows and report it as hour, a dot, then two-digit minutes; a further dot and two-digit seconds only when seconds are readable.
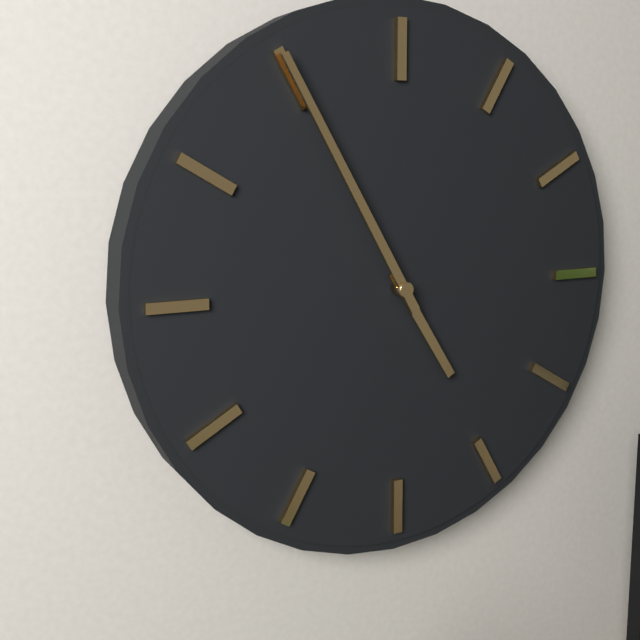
4.55
